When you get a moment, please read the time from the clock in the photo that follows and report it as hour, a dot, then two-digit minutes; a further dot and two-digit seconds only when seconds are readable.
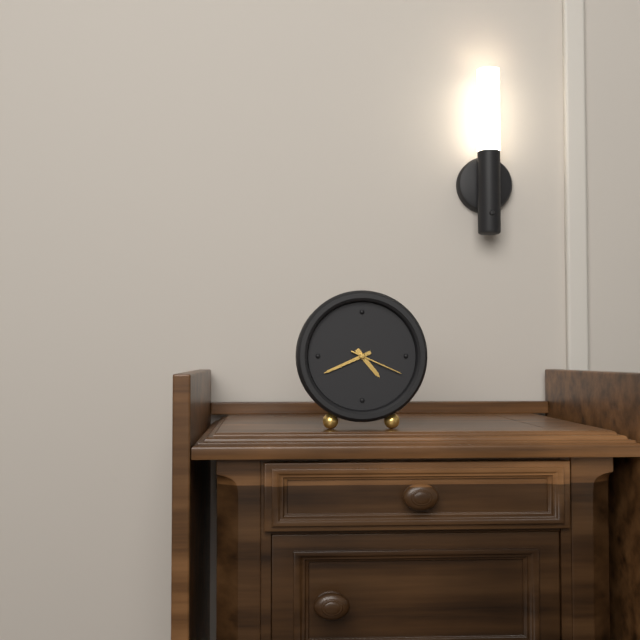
4.41.19
